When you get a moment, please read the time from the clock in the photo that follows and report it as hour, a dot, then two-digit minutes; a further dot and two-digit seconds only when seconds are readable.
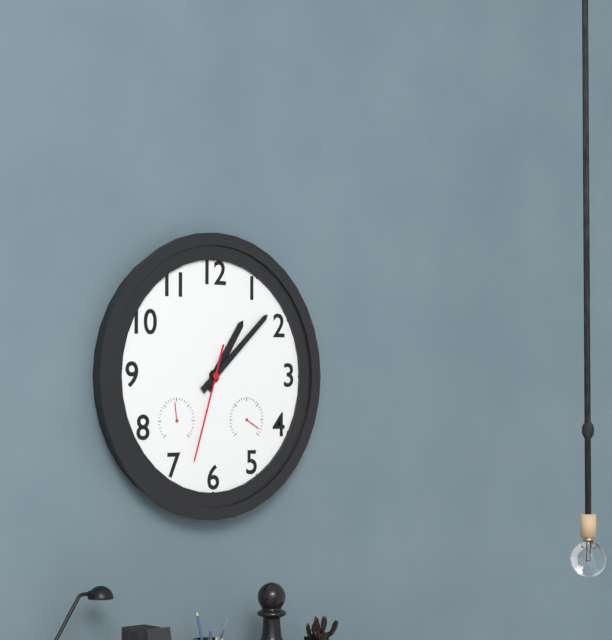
1.08.33
